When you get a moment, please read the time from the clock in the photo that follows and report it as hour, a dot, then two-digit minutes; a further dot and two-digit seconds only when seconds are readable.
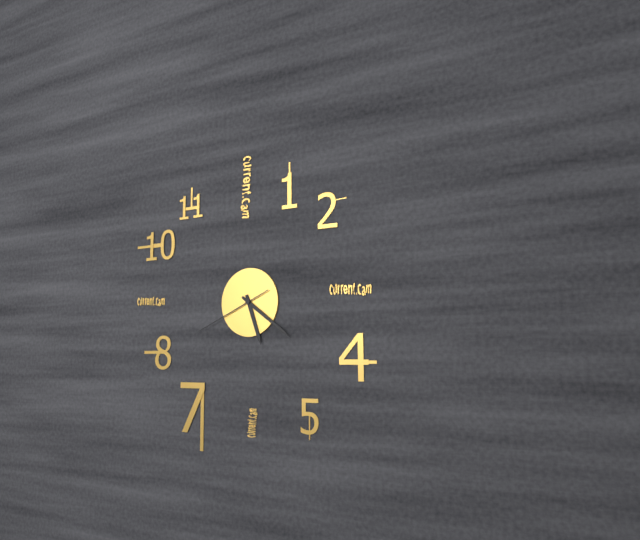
5.21.41
